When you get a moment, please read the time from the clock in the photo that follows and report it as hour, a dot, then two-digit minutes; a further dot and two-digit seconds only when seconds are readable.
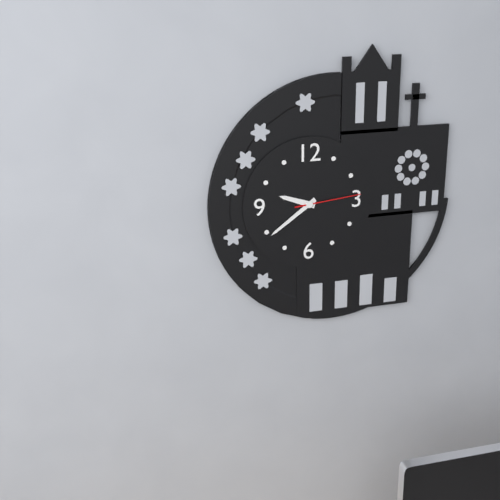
9.39.14
